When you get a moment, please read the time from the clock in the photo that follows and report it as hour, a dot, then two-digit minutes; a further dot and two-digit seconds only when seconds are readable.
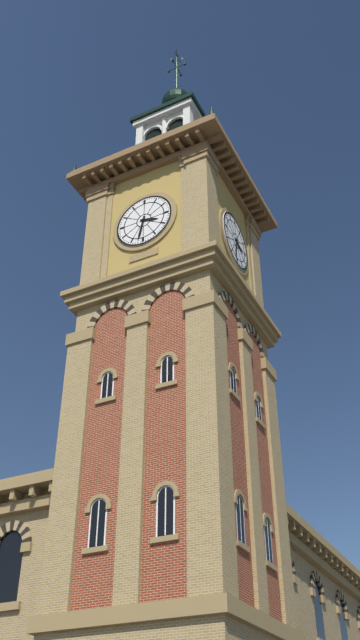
3.32
